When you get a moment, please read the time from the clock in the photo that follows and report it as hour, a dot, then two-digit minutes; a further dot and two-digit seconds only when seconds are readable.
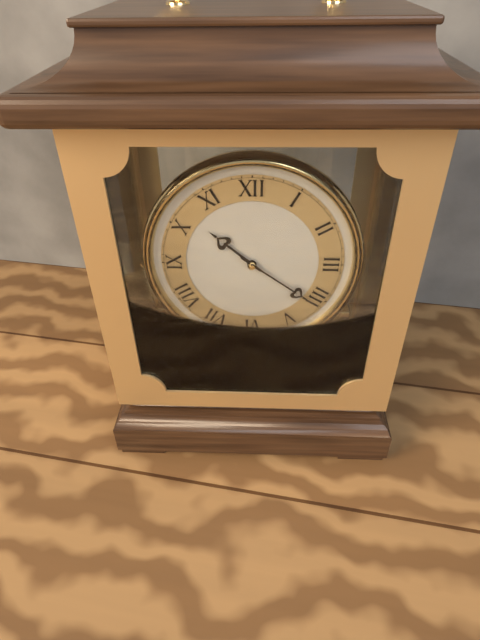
10.21
